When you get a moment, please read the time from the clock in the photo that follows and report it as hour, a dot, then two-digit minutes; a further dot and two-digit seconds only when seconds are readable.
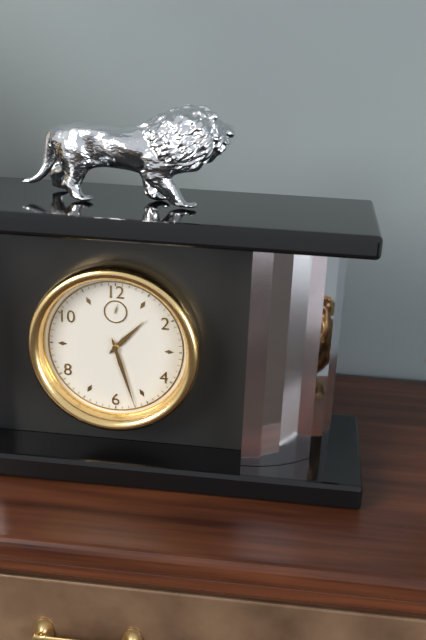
1.27
